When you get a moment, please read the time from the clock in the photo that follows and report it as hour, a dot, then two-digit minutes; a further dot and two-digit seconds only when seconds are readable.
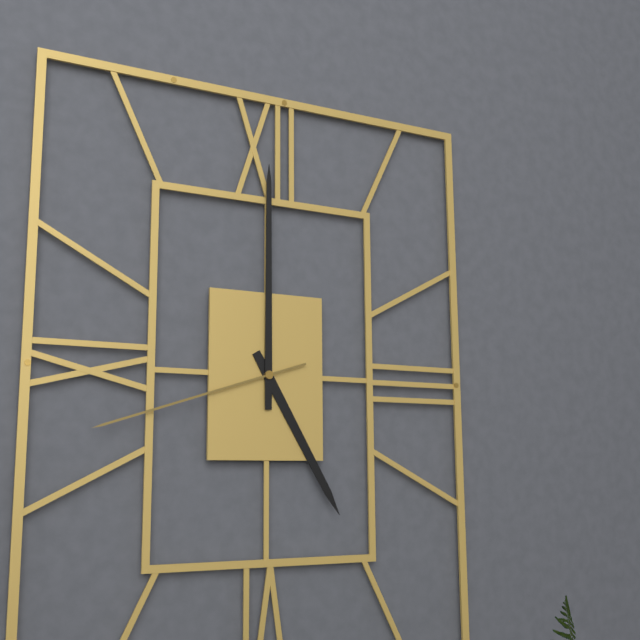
5.00.42
